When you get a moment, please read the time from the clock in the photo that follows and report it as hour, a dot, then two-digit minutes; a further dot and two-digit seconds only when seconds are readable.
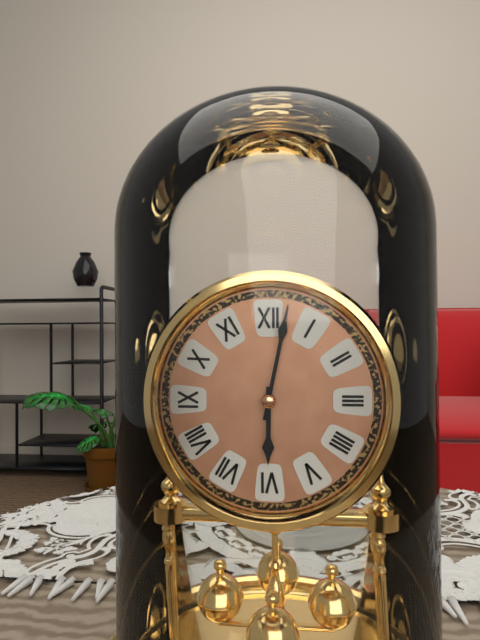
6.02
